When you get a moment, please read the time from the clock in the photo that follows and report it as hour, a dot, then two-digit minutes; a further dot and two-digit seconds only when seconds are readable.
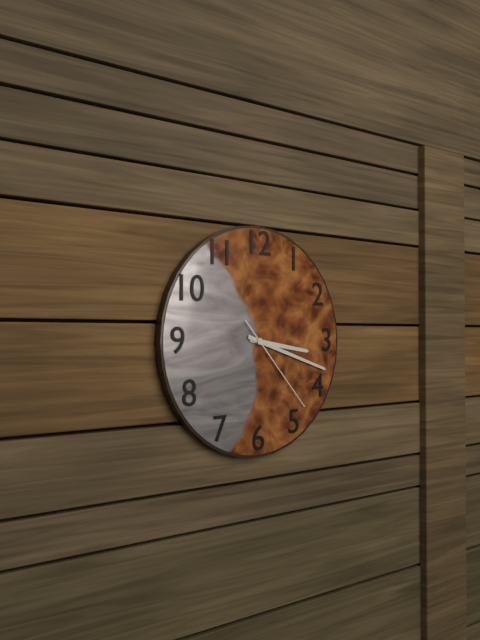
3.18.23
